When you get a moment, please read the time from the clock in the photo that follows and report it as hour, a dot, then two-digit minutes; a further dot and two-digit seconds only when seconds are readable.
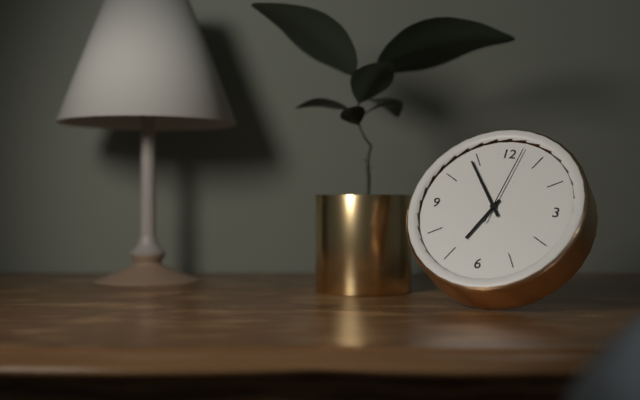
6.54.02
